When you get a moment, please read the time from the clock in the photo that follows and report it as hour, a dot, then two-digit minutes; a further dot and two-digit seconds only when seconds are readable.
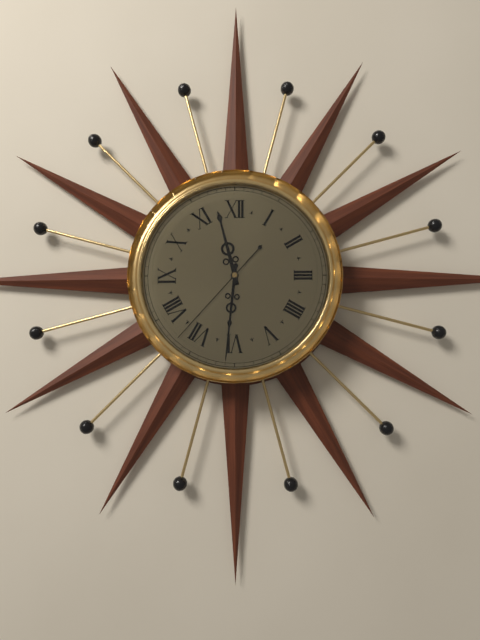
11.31.37
